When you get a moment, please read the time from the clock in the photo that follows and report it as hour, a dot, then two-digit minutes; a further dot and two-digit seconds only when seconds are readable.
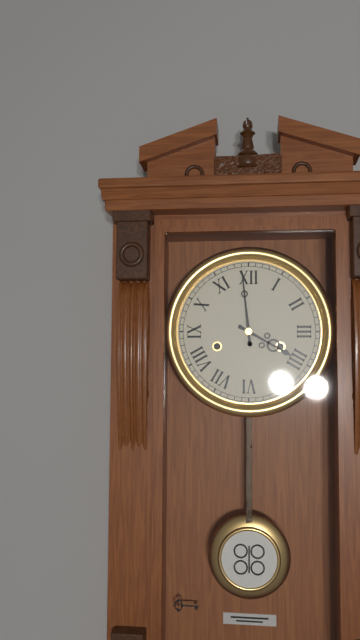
3.59
